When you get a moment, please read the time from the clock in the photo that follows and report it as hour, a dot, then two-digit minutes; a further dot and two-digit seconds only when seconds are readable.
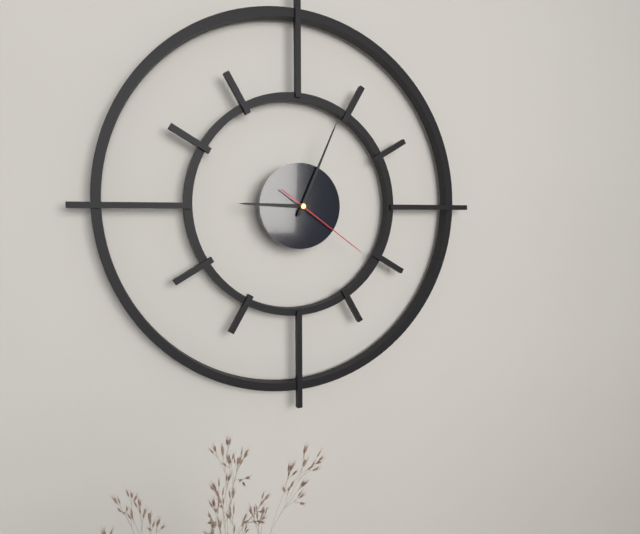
9.04.21
